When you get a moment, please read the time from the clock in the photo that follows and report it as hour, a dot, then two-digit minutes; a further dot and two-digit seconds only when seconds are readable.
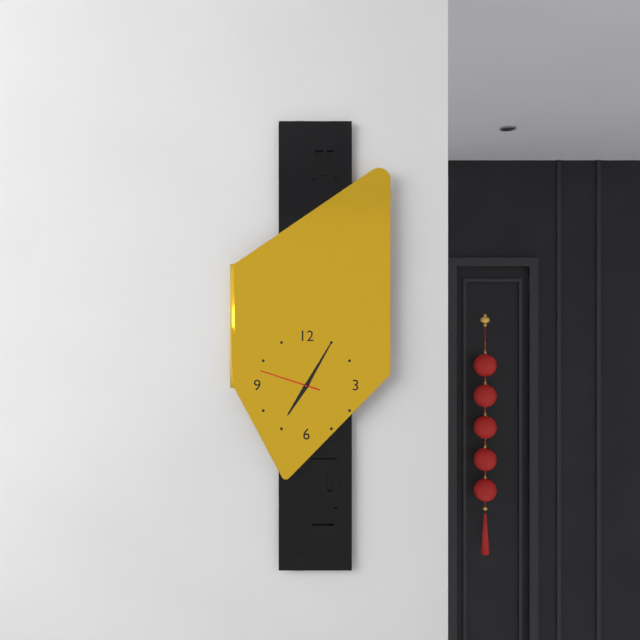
7.05.48
